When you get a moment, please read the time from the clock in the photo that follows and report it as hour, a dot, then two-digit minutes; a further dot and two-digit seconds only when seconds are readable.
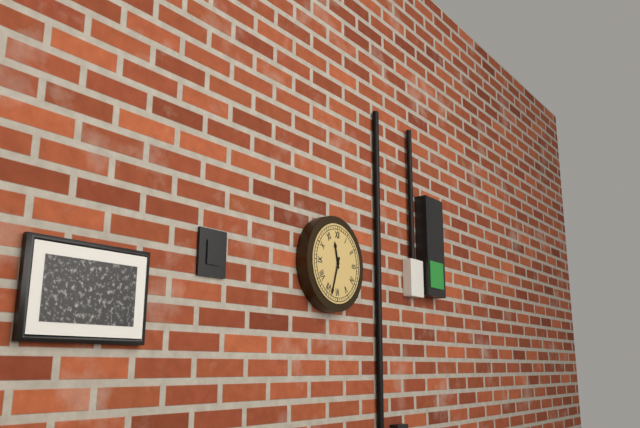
11.33
